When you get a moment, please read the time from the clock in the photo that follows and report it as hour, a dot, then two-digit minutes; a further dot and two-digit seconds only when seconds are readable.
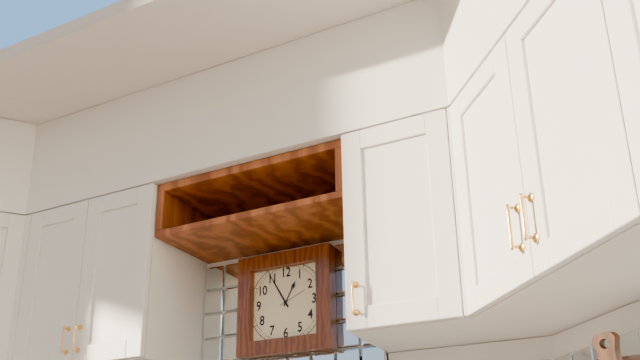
12.55
